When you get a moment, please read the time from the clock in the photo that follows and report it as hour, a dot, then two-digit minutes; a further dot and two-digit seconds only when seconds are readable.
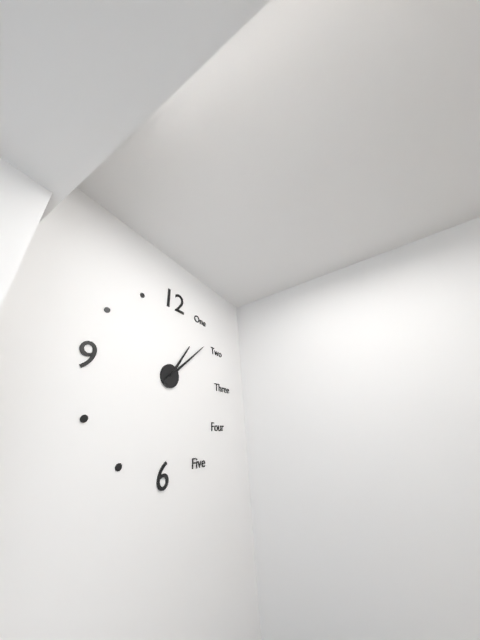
1.08
